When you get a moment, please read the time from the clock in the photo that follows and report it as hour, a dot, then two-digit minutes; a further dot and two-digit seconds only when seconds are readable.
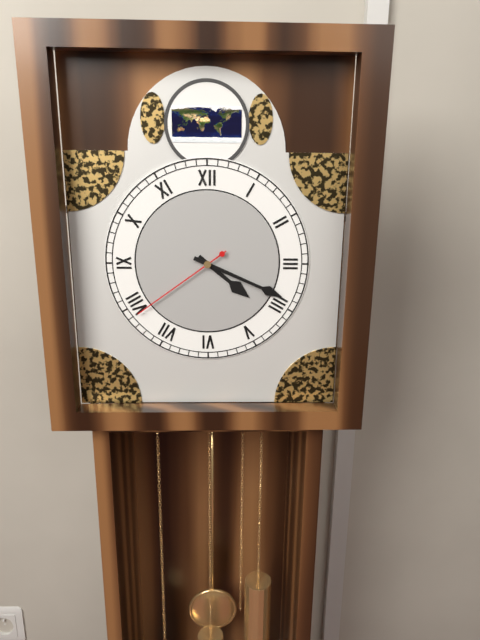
4.19.39
